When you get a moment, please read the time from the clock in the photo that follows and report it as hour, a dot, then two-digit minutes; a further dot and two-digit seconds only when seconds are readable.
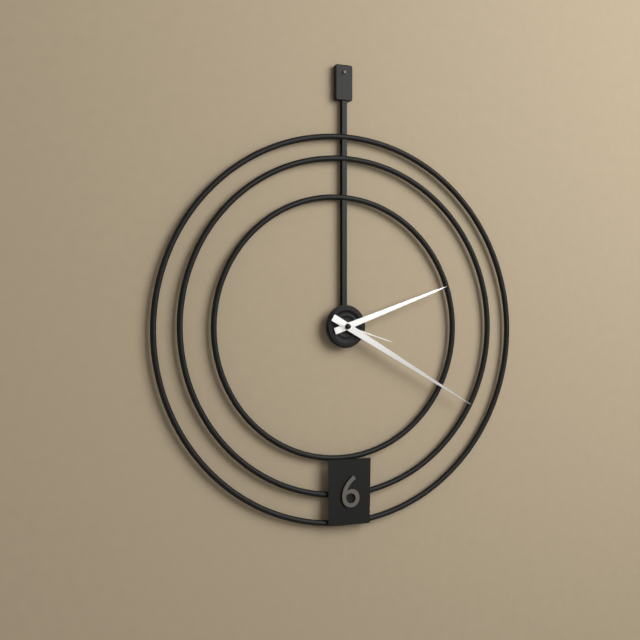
2.20.18
